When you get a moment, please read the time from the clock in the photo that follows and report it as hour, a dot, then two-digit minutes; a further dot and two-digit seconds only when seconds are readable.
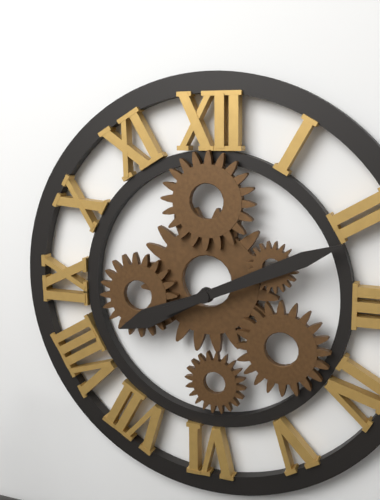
8.11
